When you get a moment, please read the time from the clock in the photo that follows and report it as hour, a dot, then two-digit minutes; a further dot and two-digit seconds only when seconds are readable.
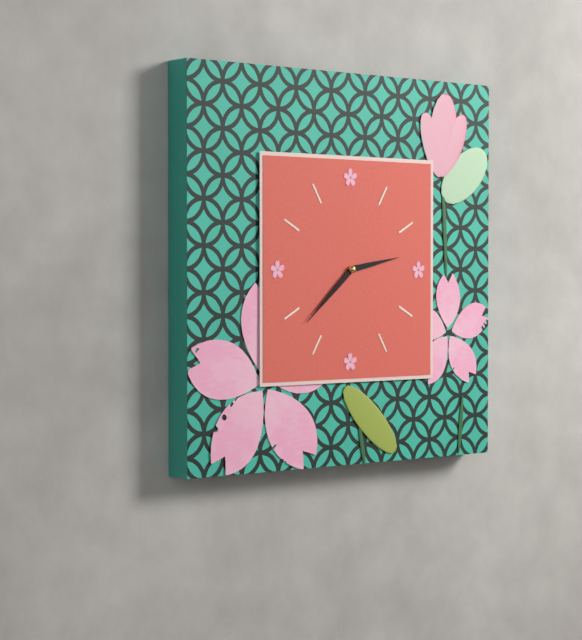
2.38
